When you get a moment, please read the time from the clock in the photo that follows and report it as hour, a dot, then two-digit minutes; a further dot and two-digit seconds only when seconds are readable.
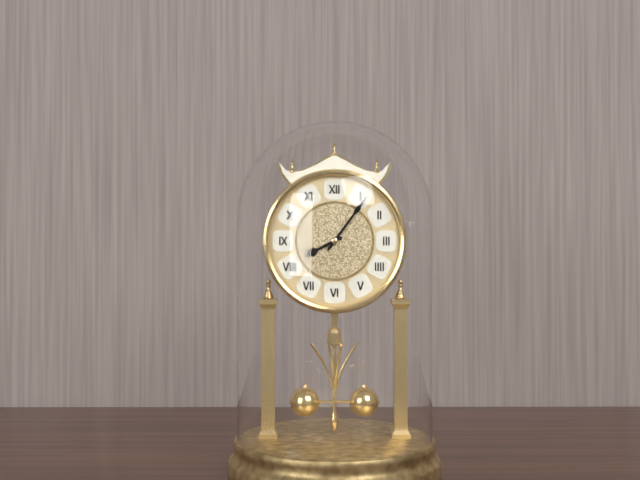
8.06
